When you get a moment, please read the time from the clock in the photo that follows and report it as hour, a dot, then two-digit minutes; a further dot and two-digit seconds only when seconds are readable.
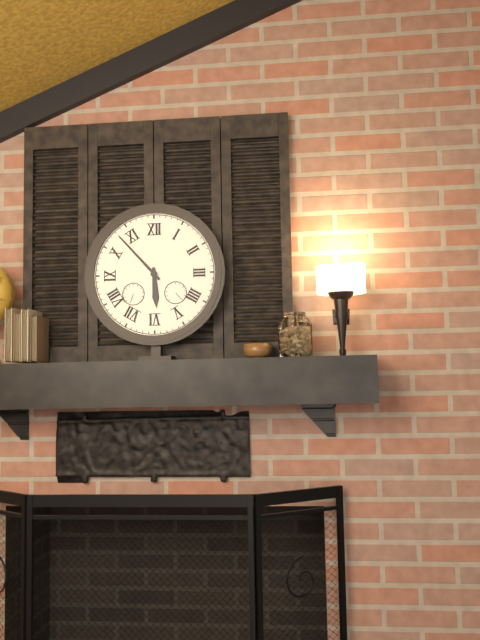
5.53
